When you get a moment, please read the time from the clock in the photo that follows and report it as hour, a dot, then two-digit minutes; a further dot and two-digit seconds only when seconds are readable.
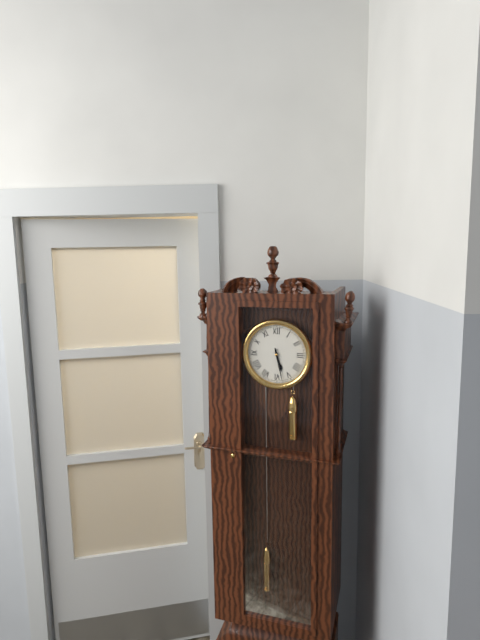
5.28
